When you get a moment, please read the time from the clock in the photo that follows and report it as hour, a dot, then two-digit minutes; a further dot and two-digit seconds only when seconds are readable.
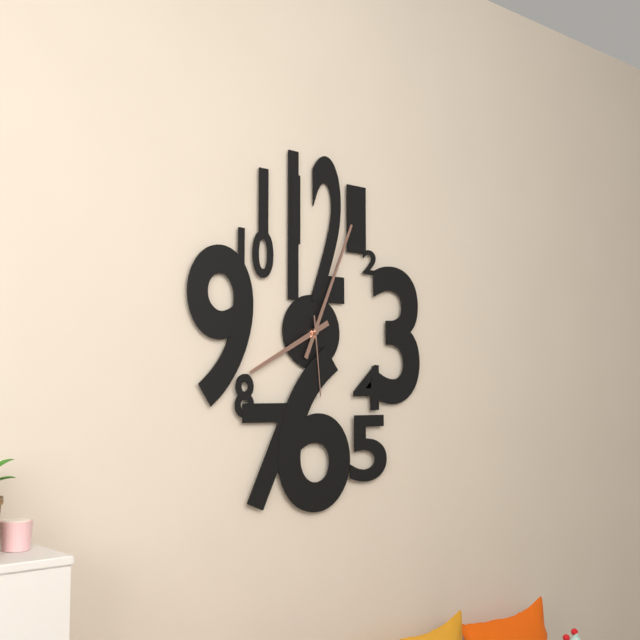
8.04.29
